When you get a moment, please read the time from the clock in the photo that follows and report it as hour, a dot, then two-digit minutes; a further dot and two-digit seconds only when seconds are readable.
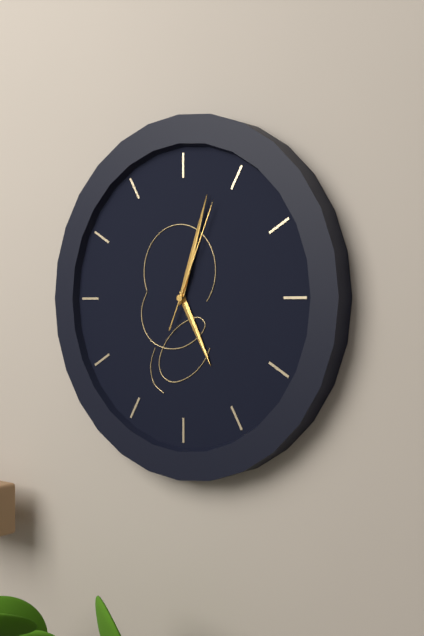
5.03.04
